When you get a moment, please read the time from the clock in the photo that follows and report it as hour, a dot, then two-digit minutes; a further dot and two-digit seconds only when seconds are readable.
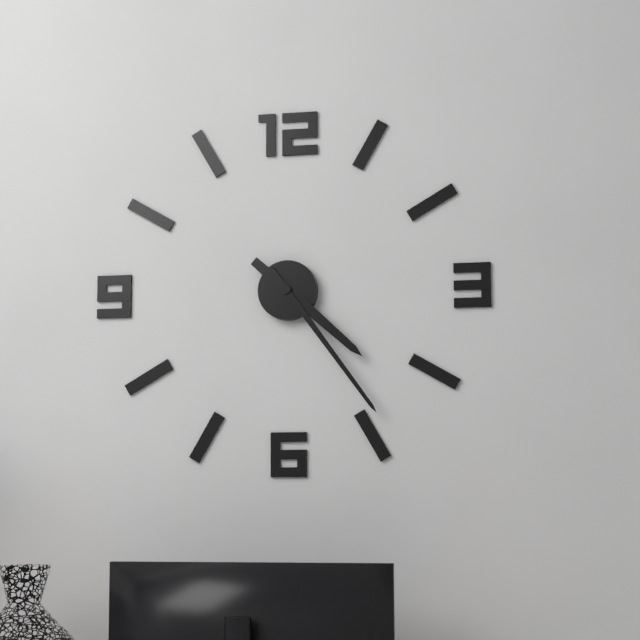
4.24
